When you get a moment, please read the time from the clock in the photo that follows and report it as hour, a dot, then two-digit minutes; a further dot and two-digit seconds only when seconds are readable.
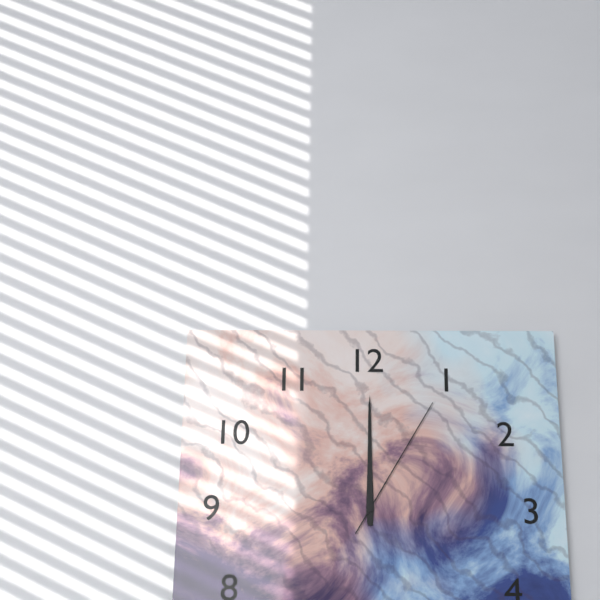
12.00.05
